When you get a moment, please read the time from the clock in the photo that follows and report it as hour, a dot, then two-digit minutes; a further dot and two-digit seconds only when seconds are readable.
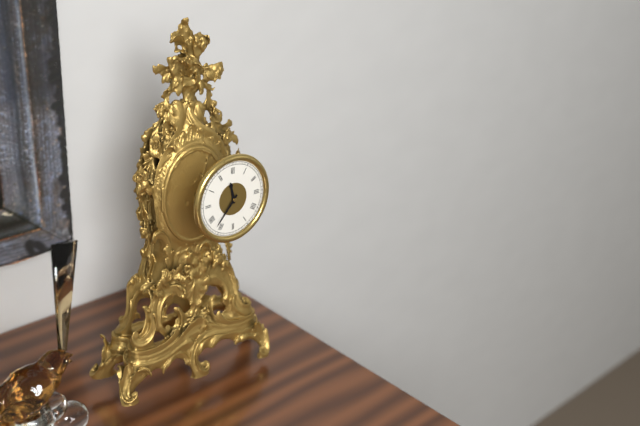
11.37
